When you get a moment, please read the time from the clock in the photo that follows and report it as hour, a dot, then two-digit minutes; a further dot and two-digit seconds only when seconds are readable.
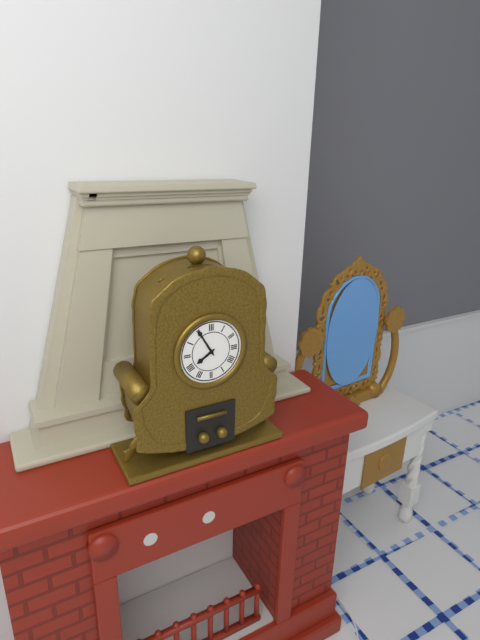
7.55
